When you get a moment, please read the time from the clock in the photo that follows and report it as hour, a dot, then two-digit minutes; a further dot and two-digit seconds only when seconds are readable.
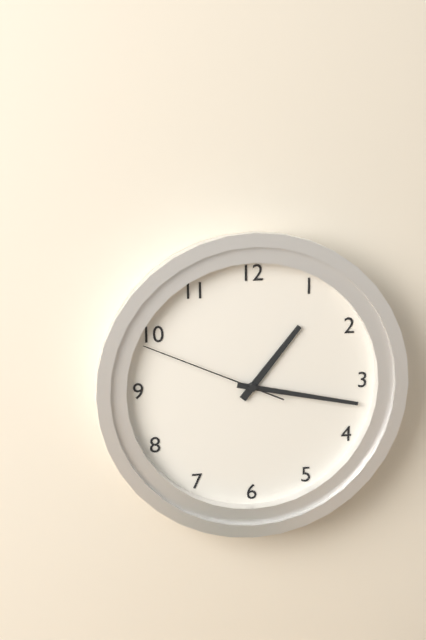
1.17.49
